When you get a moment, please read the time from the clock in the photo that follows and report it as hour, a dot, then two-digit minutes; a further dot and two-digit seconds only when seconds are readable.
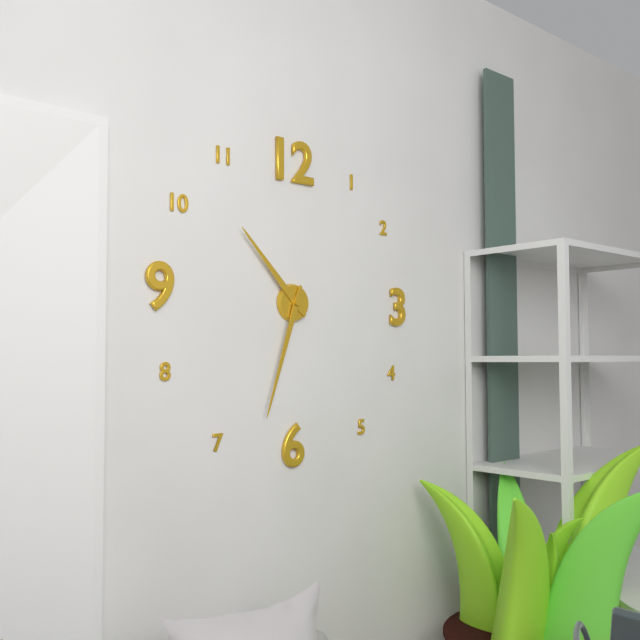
10.33
